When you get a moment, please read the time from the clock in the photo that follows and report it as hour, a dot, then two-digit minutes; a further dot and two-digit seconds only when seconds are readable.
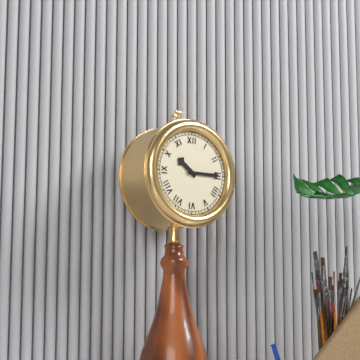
10.15
